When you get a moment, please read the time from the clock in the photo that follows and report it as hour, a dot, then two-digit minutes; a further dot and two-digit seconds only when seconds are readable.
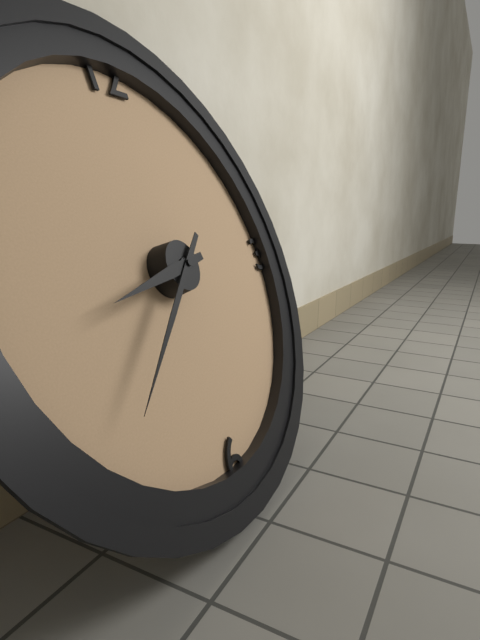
8.38
